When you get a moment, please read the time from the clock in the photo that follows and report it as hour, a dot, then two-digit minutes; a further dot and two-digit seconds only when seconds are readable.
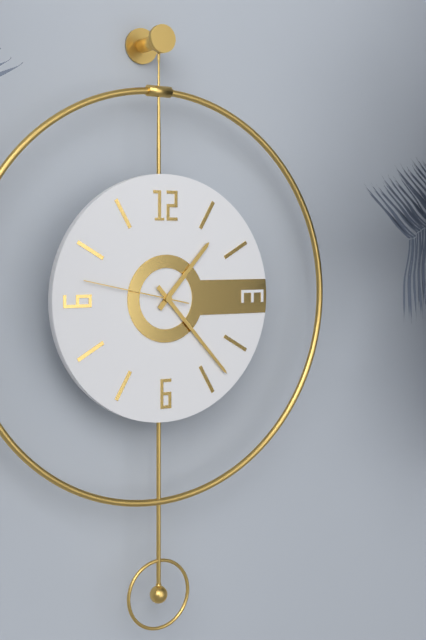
1.23.47
